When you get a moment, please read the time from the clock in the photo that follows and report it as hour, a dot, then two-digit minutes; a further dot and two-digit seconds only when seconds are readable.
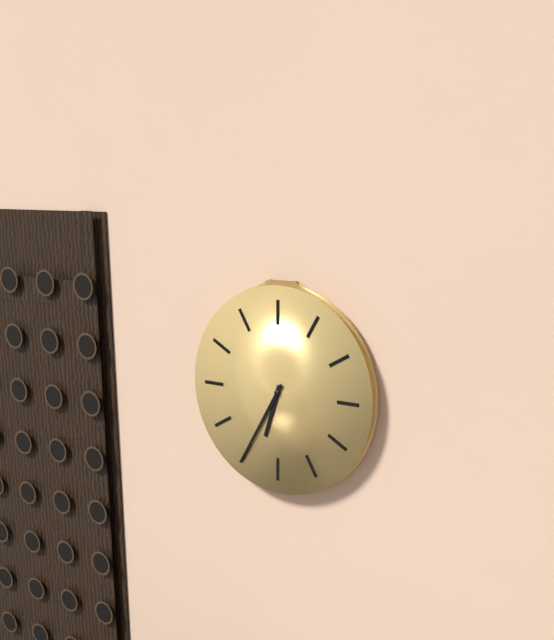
6.35
